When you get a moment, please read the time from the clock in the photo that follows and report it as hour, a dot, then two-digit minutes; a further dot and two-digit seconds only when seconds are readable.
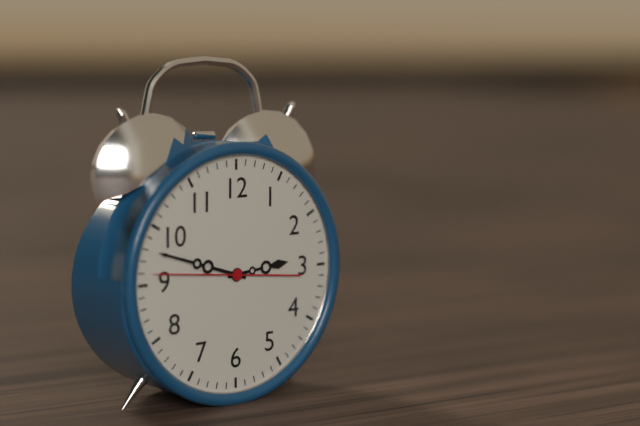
2.48.46
